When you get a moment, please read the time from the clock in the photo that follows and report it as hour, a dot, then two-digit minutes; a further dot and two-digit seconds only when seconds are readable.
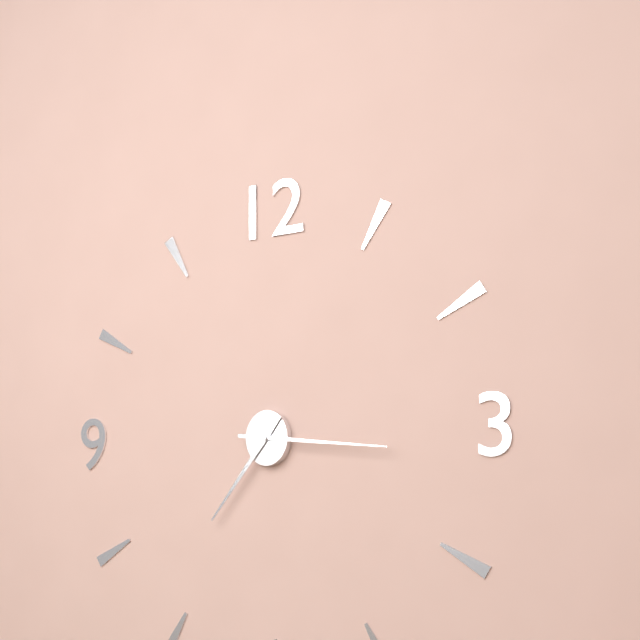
7.16
